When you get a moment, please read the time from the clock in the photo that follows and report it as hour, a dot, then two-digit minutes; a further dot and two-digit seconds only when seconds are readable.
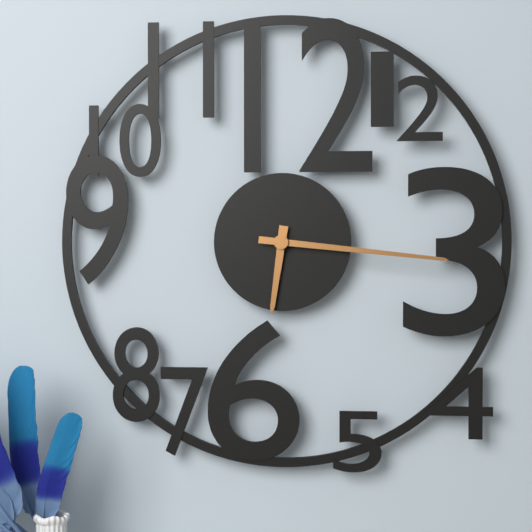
6.16
